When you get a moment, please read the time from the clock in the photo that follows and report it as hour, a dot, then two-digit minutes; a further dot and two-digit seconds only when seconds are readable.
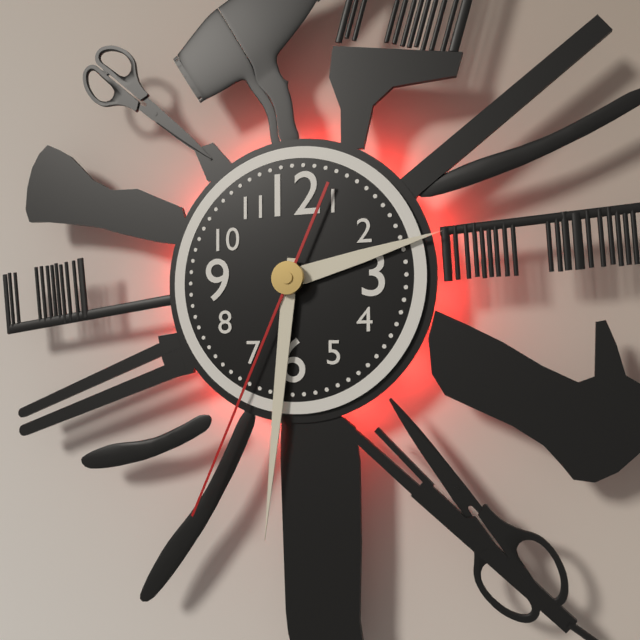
2.31.34
